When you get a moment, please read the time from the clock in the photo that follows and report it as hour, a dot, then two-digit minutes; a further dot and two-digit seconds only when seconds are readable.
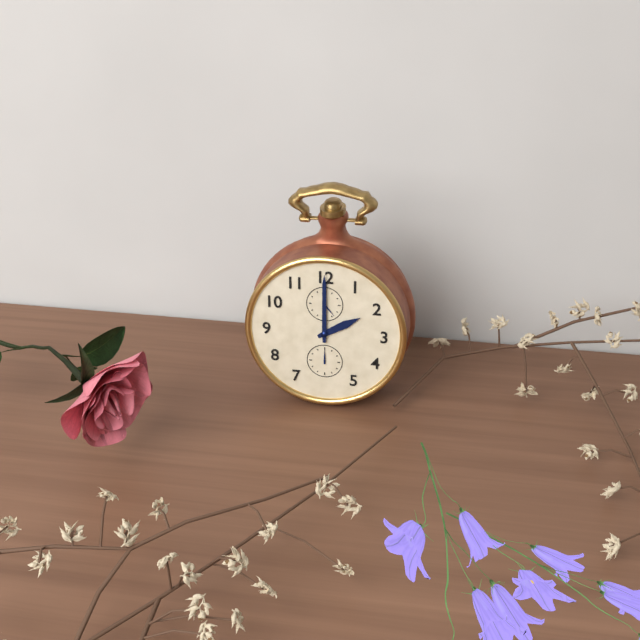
2.00
